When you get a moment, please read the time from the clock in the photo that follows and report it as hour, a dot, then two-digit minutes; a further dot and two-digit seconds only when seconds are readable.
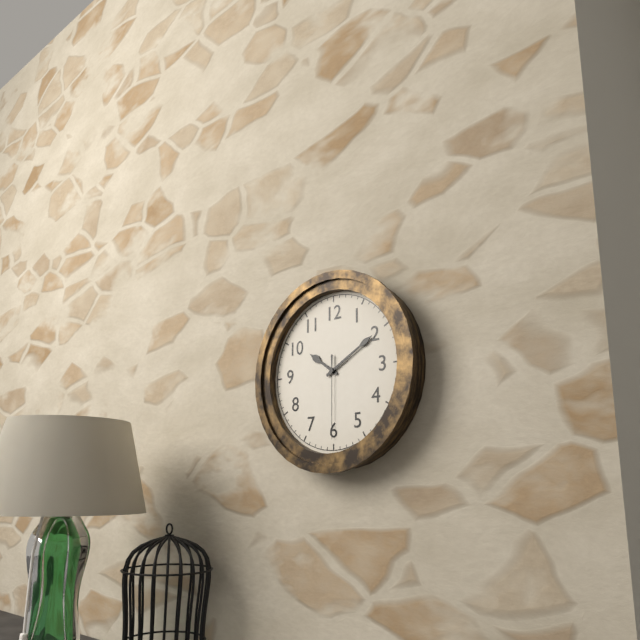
10.10.30
